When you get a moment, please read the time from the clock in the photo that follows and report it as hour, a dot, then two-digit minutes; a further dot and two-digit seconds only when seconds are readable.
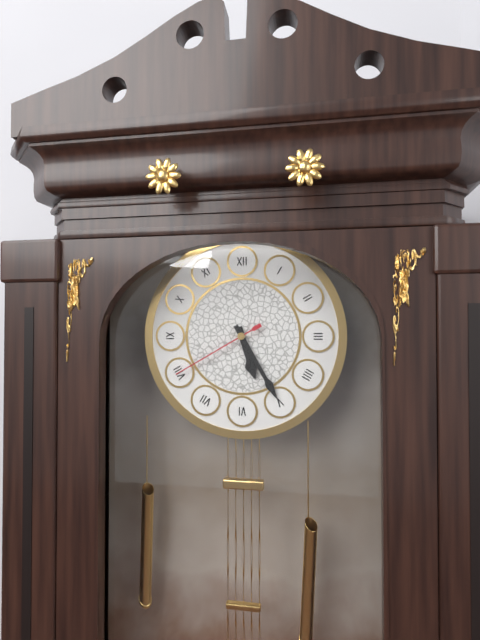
5.25.40
